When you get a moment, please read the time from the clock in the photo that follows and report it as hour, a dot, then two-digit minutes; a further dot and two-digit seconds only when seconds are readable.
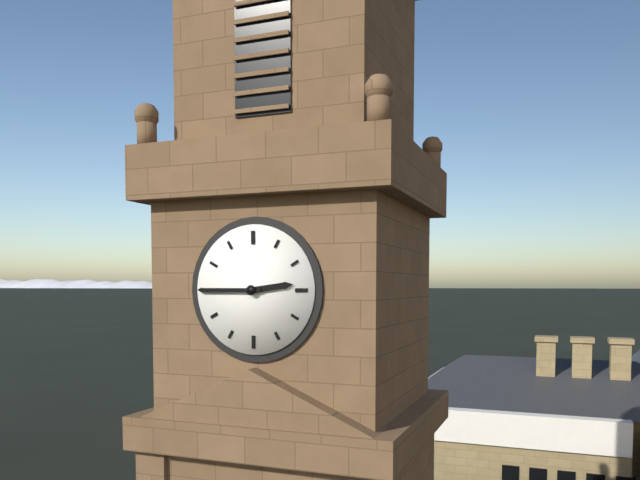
2.45
